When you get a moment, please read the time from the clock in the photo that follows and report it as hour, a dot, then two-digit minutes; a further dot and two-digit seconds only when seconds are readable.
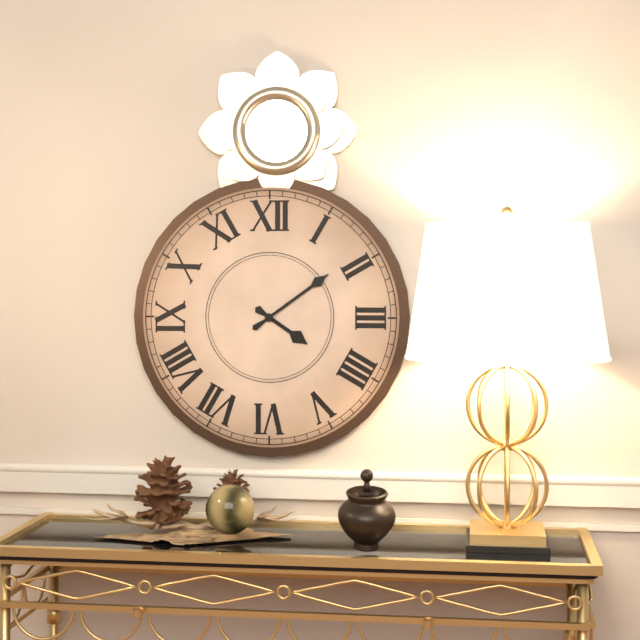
4.09
